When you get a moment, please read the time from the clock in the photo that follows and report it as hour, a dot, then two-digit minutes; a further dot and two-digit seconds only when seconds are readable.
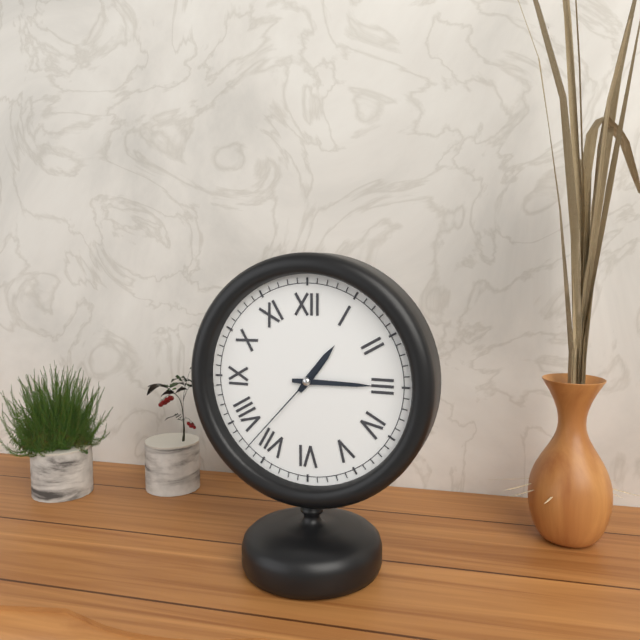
1.15.37
